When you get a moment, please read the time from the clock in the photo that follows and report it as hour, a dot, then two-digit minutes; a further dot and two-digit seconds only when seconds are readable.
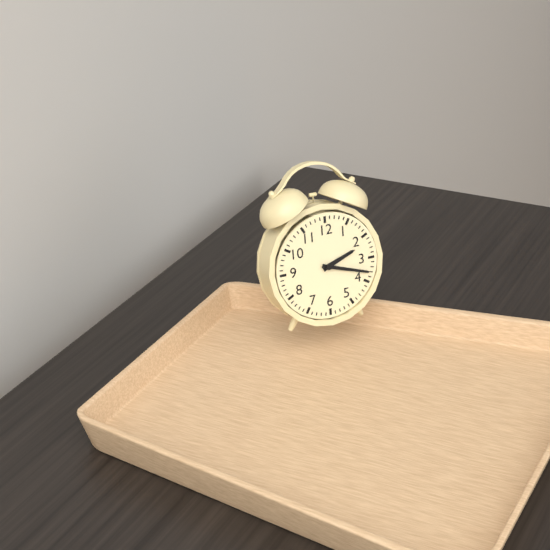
2.18
